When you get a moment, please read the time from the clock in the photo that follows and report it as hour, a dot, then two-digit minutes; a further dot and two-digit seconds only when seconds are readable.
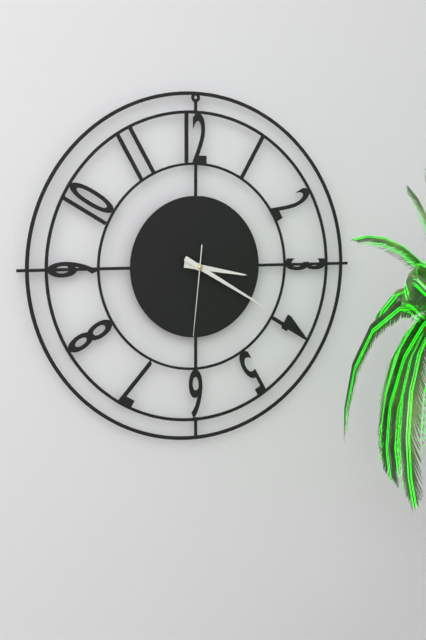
3.20.31
